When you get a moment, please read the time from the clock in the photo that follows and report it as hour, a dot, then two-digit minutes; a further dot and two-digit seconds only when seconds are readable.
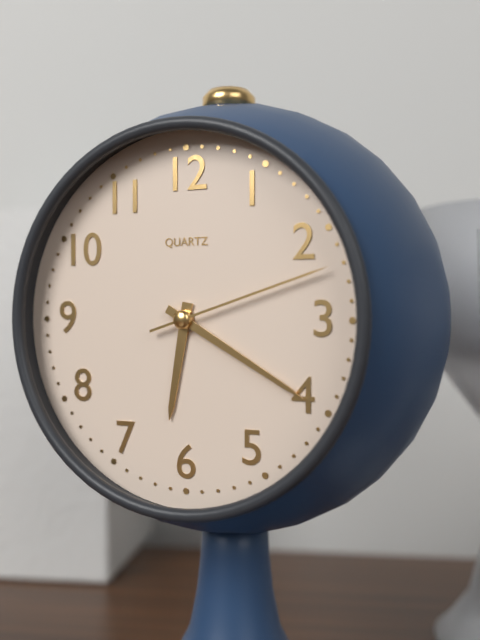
6.20.12
